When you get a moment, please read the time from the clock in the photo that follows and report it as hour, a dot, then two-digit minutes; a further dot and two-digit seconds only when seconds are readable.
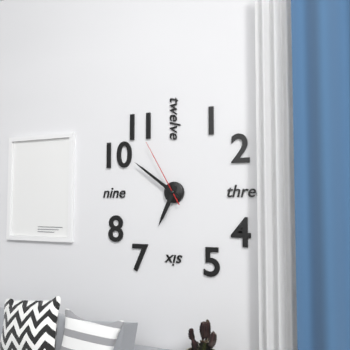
6.51.55
